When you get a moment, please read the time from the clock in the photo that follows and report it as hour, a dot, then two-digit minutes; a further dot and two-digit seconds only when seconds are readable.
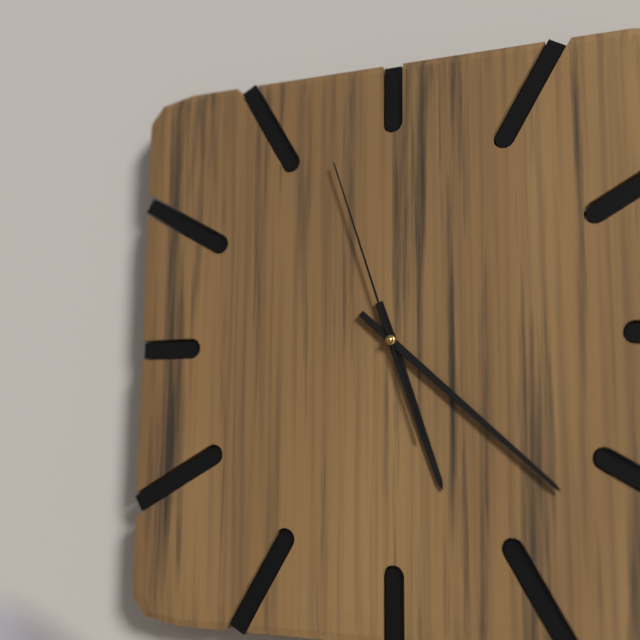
5.22.57
